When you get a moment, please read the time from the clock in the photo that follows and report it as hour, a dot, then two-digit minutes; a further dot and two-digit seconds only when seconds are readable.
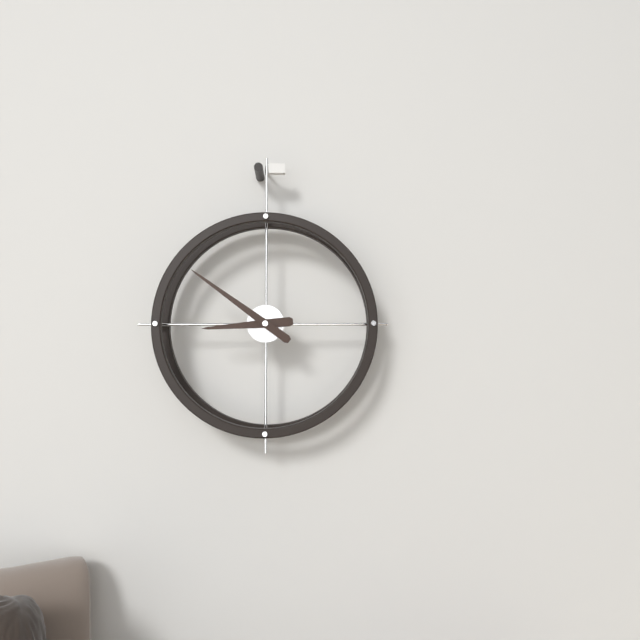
8.51
